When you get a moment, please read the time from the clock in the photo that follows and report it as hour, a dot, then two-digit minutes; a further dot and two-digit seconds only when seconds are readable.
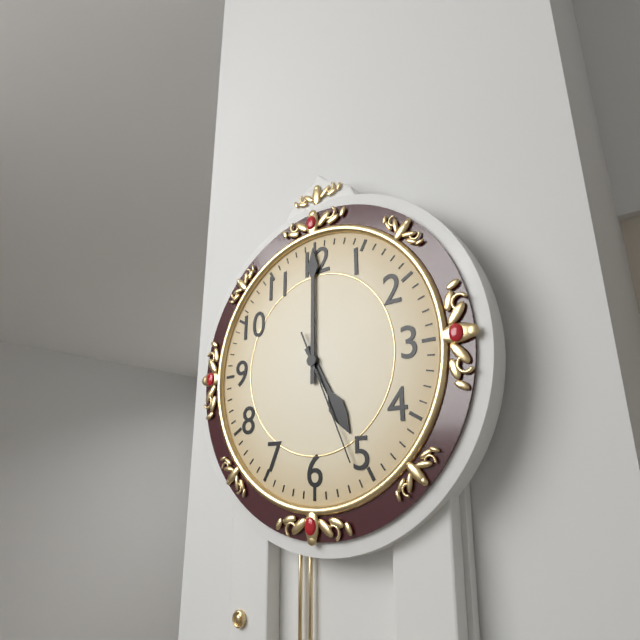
5.00.26
